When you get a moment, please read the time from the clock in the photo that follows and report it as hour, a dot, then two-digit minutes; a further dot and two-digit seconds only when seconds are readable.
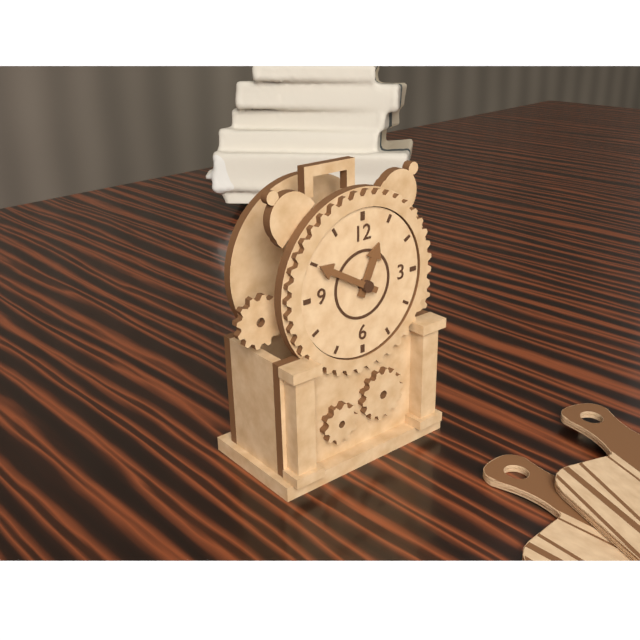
12.50
